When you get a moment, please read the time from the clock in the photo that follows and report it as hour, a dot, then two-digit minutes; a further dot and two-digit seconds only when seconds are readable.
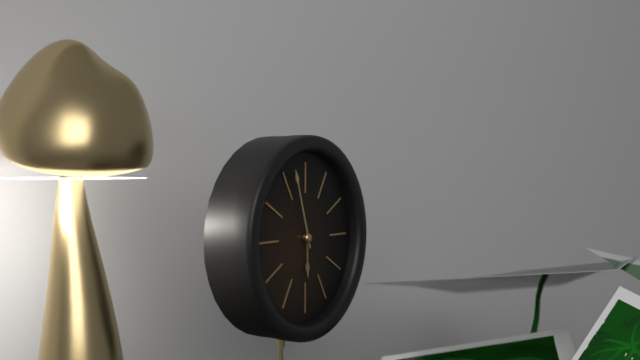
5.57
